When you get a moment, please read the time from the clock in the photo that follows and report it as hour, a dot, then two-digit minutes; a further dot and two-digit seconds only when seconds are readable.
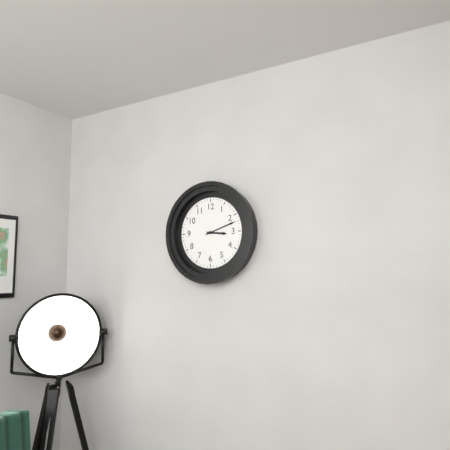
3.12
